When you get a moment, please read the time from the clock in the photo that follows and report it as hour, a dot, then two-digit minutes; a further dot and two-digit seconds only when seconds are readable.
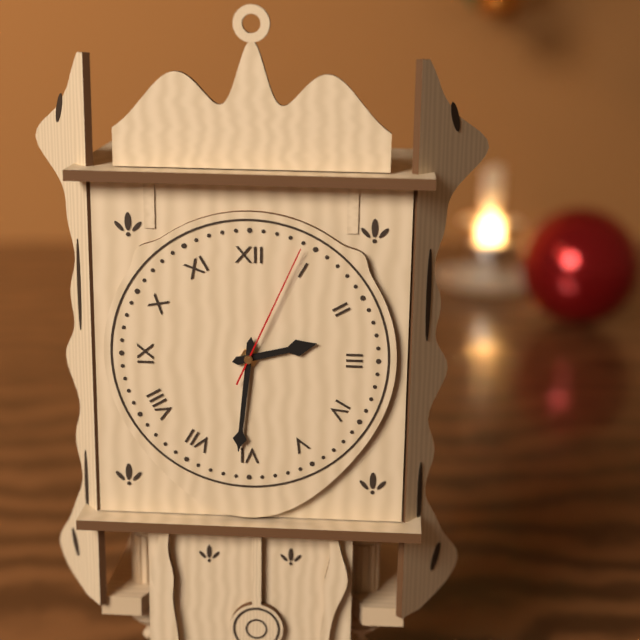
2.31.04
